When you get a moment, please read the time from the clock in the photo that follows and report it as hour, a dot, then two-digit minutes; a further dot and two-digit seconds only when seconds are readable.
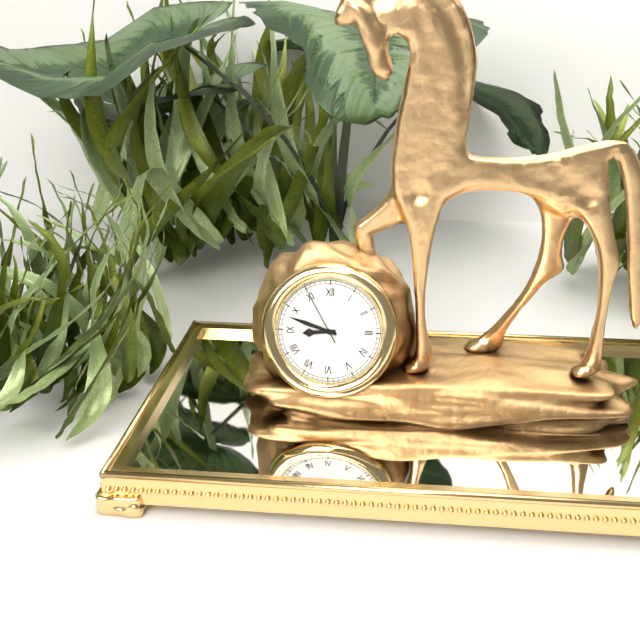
8.48.55
